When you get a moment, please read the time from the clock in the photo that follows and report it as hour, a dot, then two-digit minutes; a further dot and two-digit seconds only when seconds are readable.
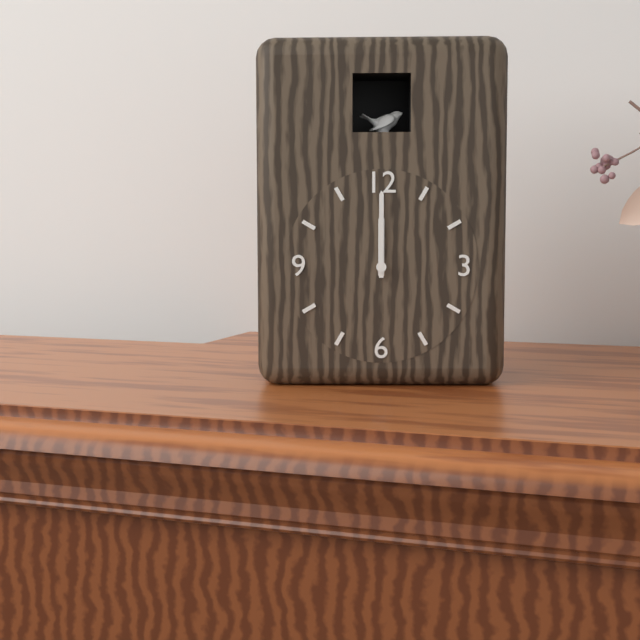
12.00
